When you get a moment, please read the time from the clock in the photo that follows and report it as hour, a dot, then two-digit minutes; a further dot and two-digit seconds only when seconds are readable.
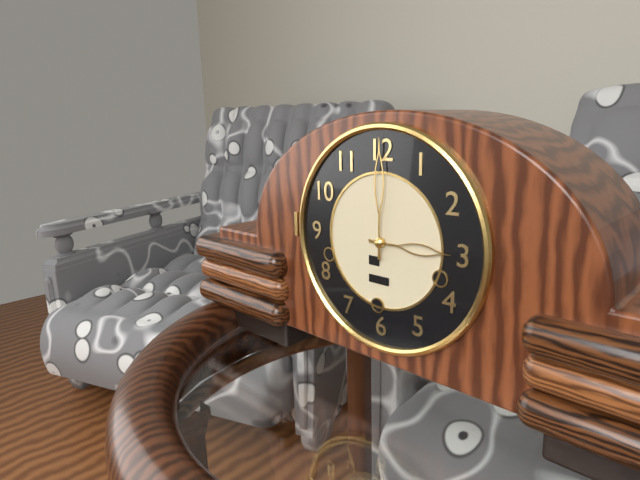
3.00
